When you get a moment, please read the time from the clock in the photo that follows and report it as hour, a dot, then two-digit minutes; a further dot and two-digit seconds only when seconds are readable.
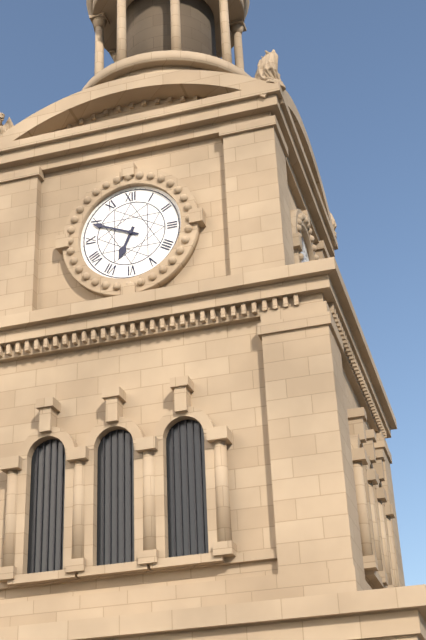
6.49
